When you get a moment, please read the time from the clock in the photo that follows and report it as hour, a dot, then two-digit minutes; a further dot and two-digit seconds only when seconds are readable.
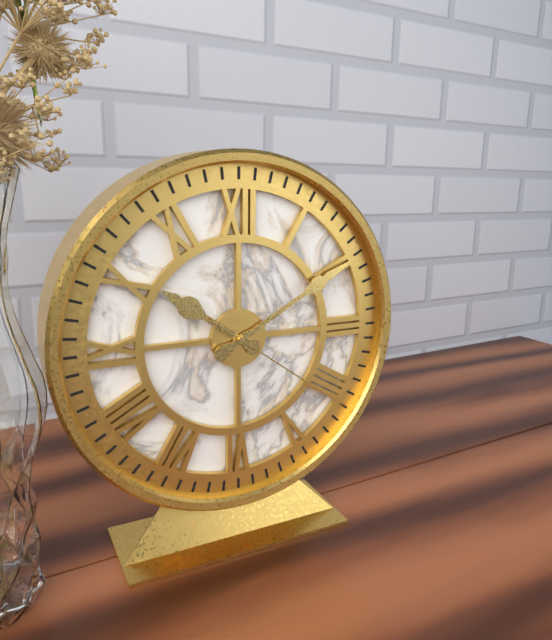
10.10.21
